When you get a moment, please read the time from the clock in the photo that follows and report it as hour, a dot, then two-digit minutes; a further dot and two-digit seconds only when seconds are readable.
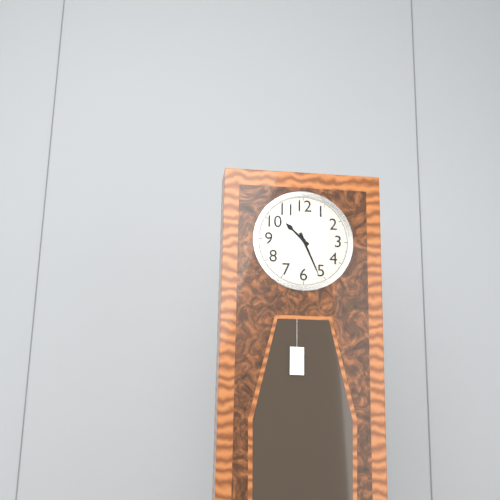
10.26
